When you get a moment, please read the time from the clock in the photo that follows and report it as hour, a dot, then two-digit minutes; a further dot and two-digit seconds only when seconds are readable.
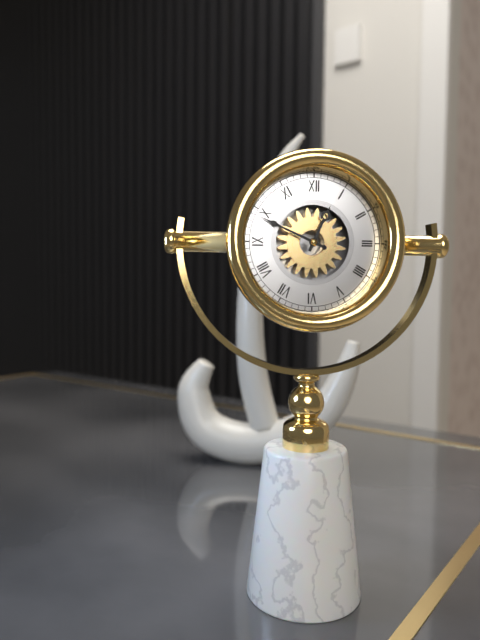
12.49
